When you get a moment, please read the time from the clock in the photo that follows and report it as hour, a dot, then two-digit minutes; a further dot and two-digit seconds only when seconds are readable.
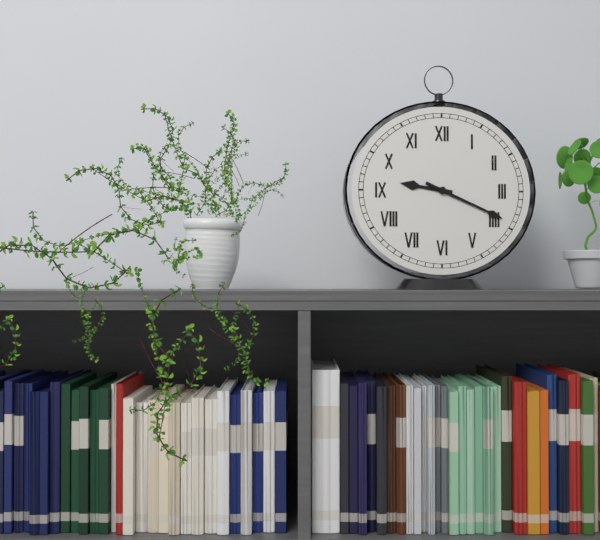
9.19
